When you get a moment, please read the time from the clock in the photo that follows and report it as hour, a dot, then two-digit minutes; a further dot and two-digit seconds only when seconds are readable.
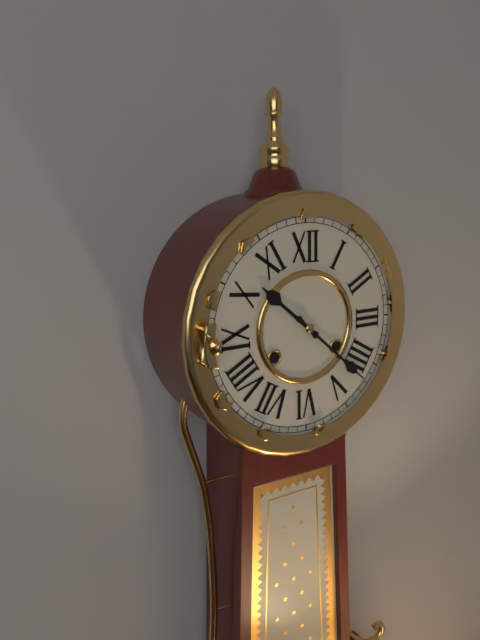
10.22
